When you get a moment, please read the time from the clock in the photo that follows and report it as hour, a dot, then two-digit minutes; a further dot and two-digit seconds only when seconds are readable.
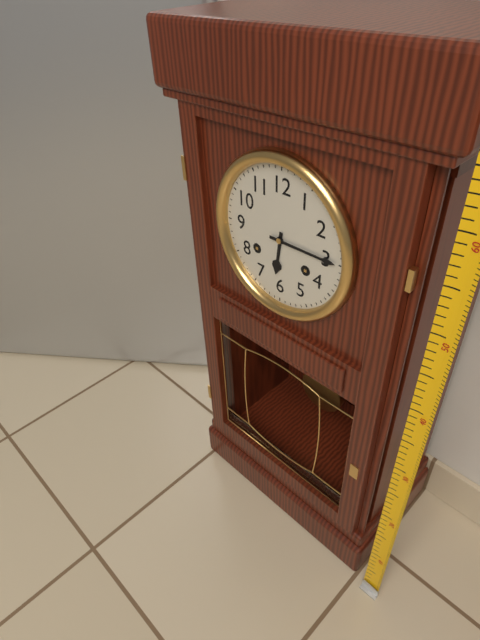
6.15
